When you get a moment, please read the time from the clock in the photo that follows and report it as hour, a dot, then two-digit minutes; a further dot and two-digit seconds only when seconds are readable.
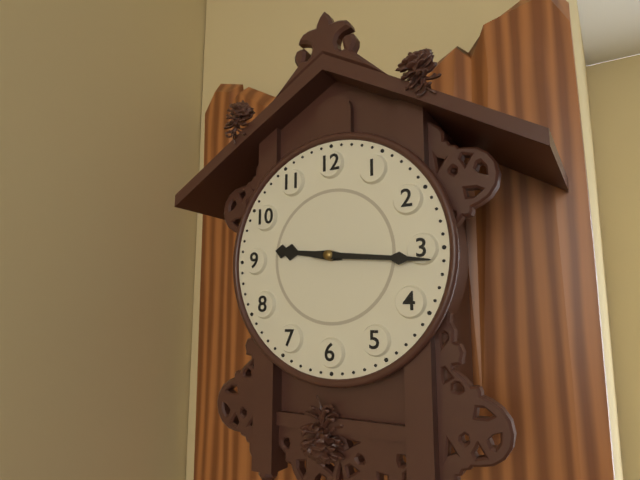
9.16
